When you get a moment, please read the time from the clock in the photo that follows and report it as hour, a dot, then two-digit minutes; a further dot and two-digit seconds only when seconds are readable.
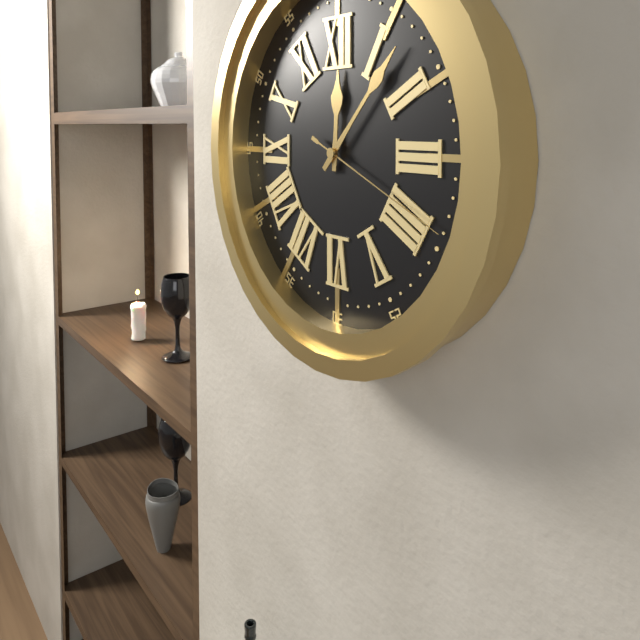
12.07.19
